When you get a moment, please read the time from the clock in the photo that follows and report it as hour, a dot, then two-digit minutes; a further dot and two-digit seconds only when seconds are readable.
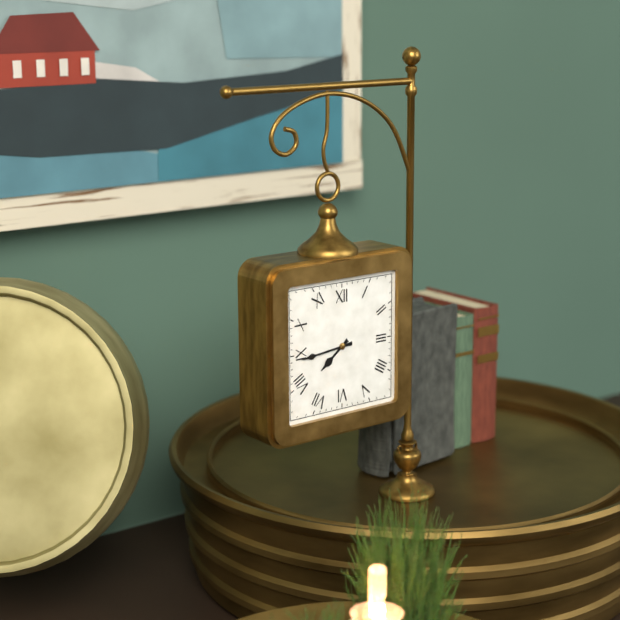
7.44
